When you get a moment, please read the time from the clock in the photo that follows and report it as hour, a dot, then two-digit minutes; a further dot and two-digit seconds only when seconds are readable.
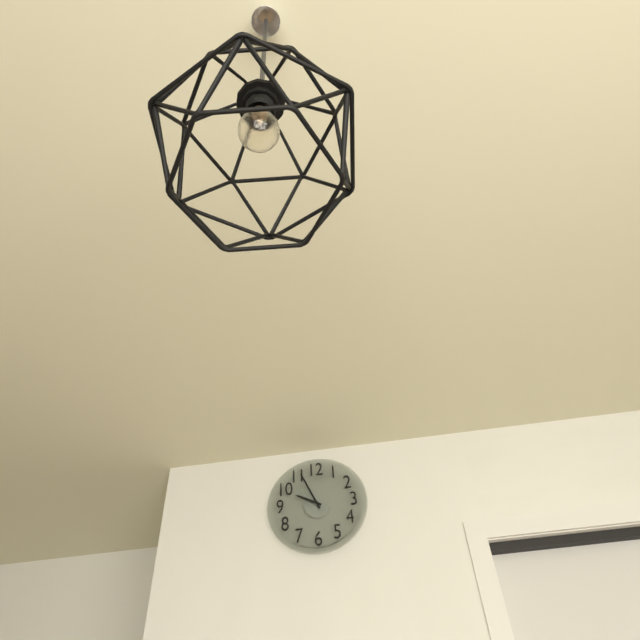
9.56
